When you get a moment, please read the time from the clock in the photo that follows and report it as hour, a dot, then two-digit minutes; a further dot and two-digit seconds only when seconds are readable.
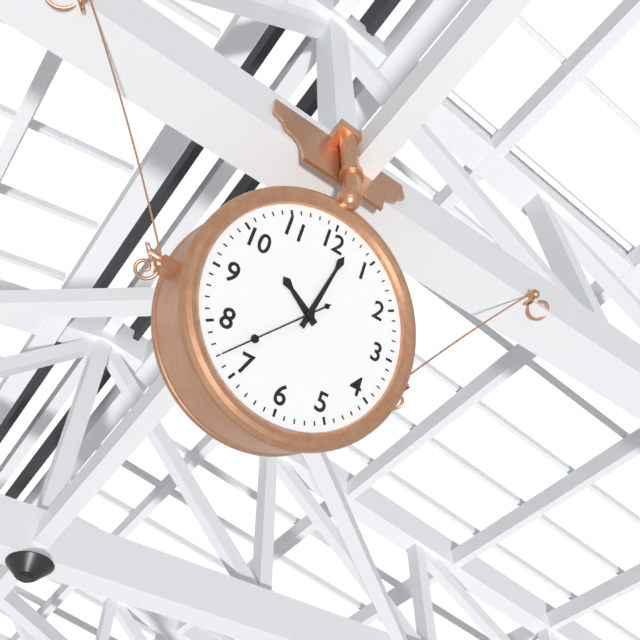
10.02.37
